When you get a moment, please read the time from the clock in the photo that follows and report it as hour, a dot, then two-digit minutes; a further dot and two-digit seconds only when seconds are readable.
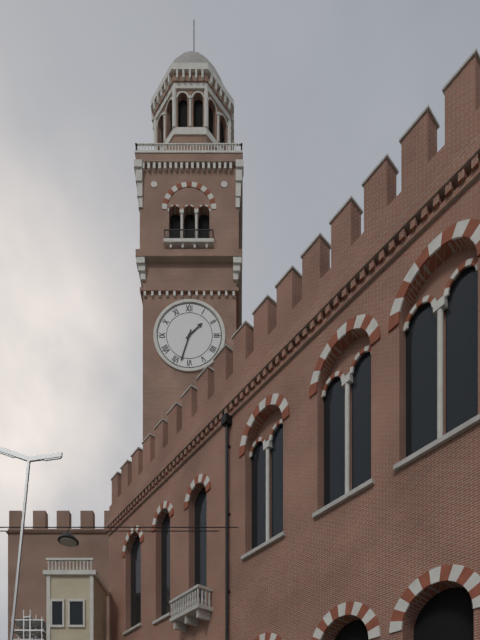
1.33
